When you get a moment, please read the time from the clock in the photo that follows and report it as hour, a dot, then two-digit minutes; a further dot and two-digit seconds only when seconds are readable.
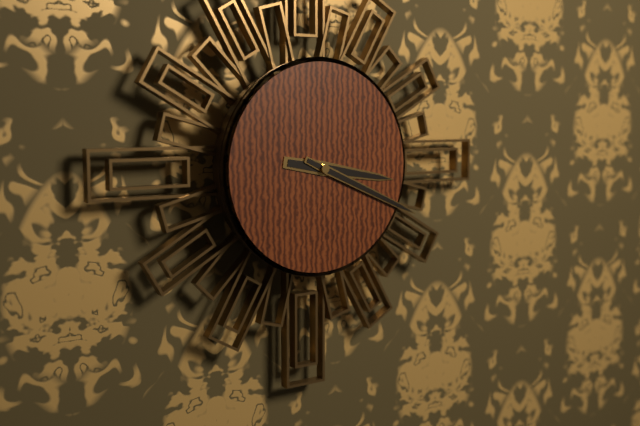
3.19
